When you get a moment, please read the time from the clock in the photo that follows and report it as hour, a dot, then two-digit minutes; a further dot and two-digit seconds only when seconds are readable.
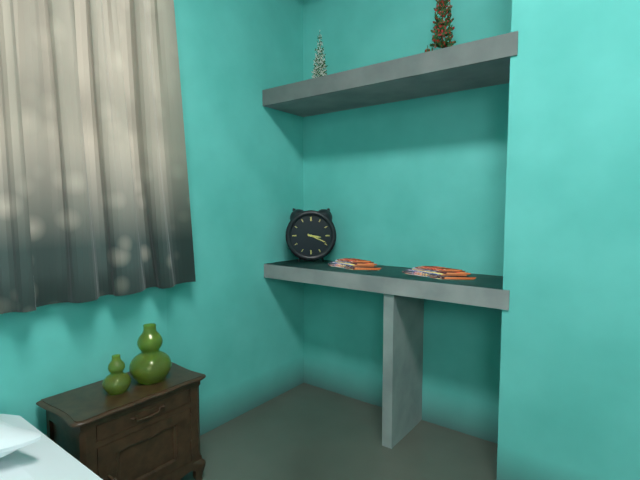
3.19
